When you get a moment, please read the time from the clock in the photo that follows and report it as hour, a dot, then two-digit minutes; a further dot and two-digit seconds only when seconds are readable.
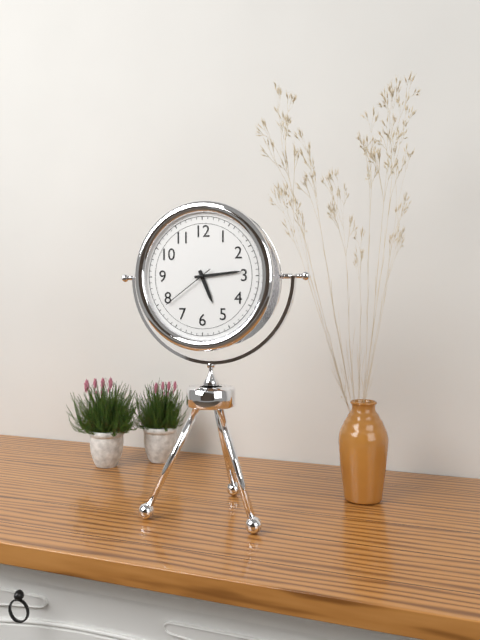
5.14.39
